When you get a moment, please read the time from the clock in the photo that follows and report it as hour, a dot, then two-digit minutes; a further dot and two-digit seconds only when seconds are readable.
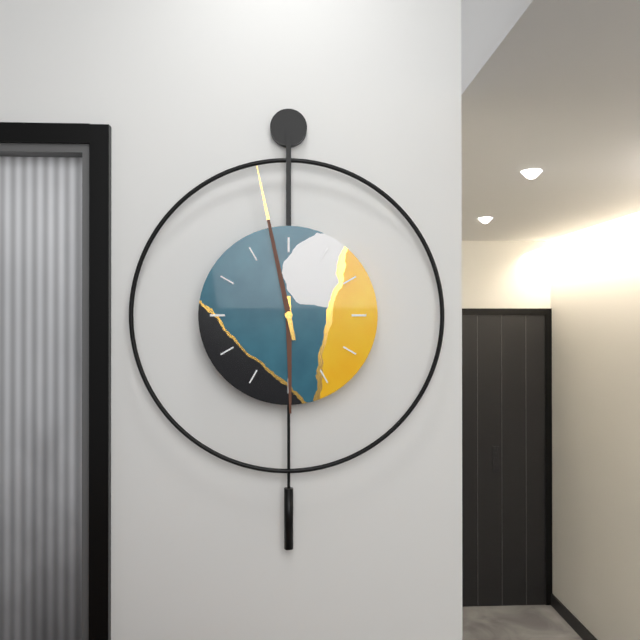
5.58
